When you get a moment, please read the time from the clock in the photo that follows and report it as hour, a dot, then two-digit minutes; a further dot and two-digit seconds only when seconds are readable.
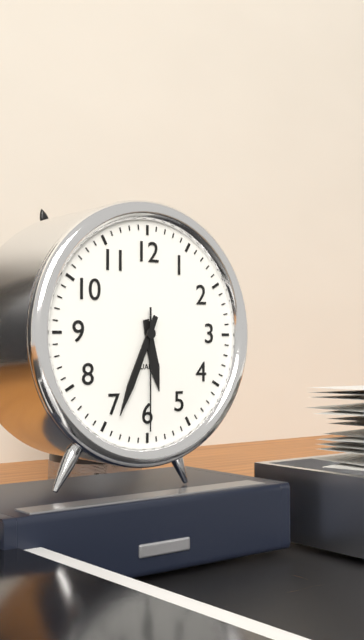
5.34.30
